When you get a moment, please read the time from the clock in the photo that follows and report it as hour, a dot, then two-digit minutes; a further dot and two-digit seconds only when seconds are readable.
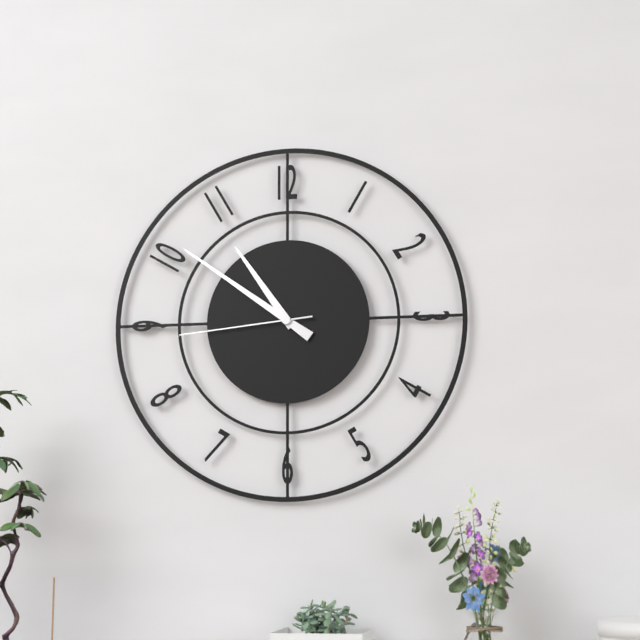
10.51.44
